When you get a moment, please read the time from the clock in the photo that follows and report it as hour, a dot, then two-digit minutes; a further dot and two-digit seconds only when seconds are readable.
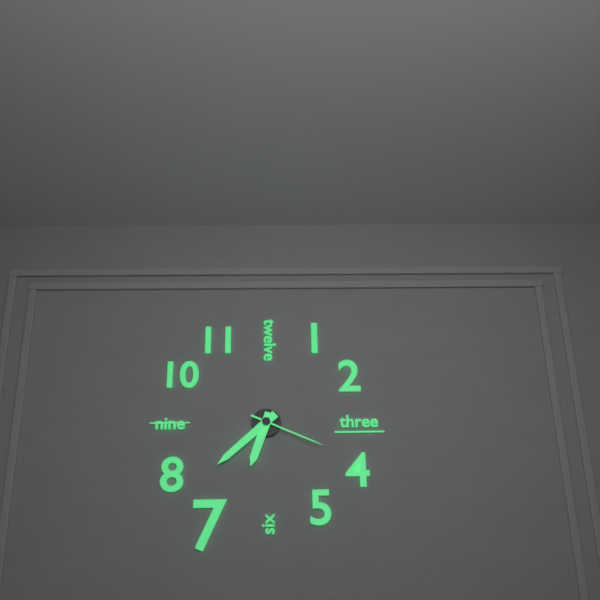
6.38.19
